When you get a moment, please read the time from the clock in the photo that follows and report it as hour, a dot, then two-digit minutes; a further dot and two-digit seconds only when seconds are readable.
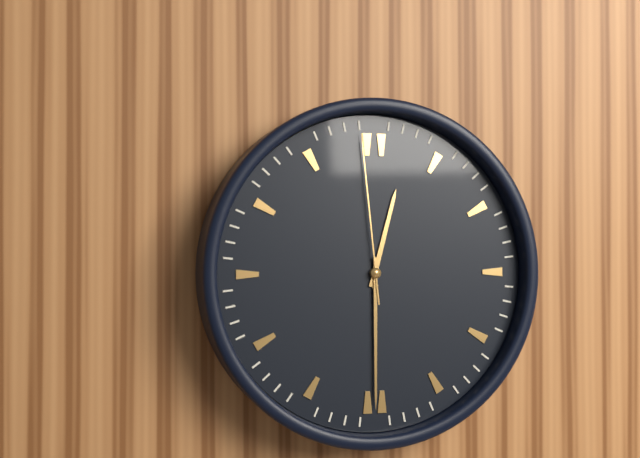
12.30.59
